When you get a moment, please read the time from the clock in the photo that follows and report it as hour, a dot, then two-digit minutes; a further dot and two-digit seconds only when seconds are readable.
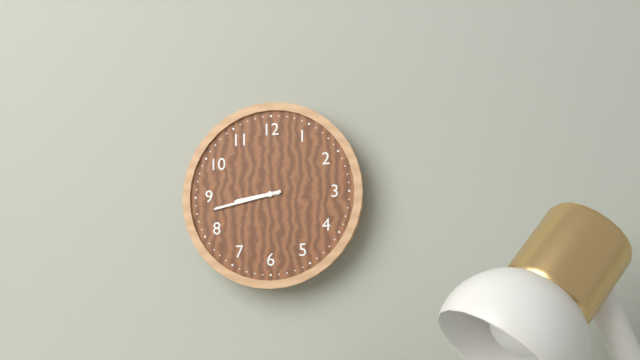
8.43
